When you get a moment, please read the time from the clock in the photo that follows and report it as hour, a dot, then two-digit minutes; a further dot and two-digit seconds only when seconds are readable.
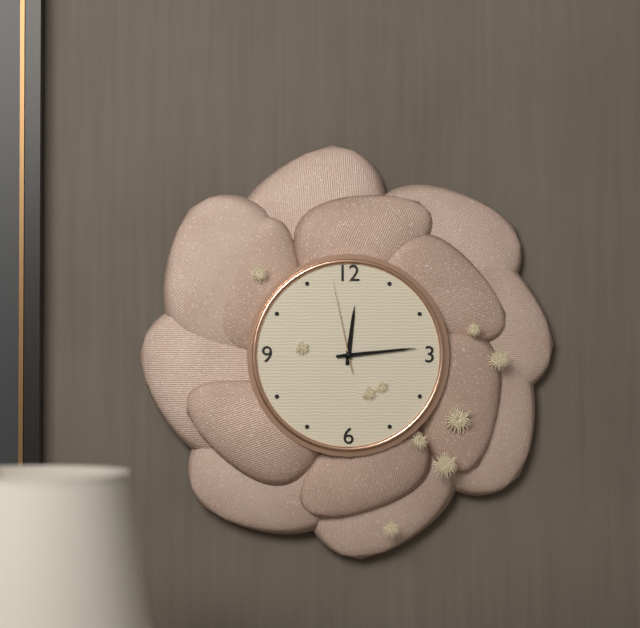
12.14.58
